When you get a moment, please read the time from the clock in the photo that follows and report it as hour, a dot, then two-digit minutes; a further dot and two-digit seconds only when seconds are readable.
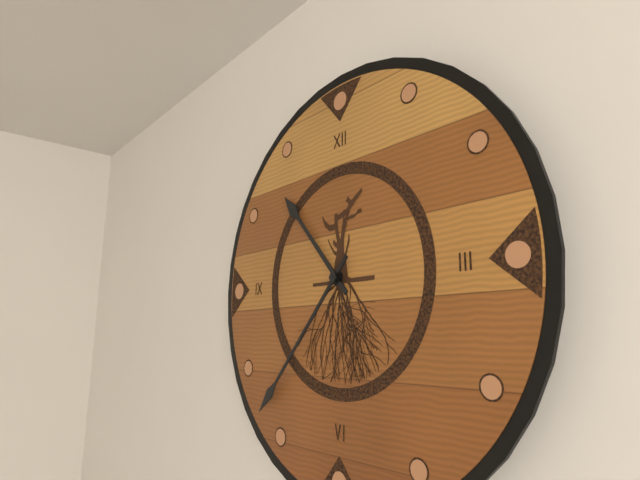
10.37
